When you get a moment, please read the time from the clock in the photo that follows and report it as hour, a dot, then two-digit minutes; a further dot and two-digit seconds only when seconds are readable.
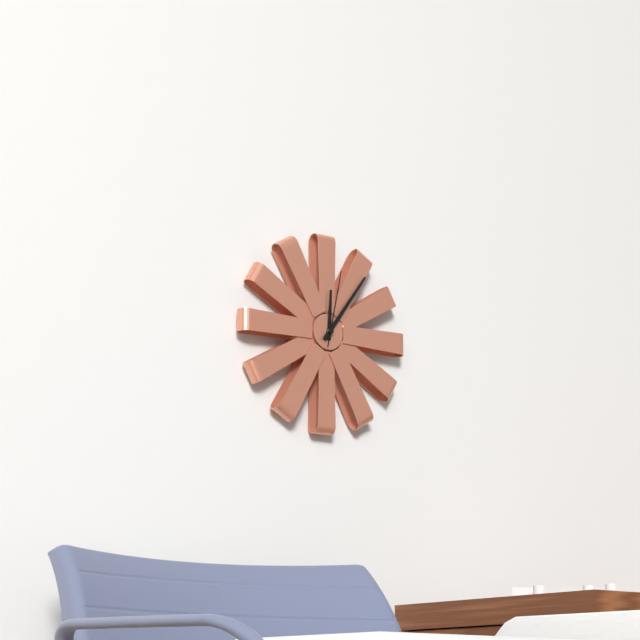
12.06.02
